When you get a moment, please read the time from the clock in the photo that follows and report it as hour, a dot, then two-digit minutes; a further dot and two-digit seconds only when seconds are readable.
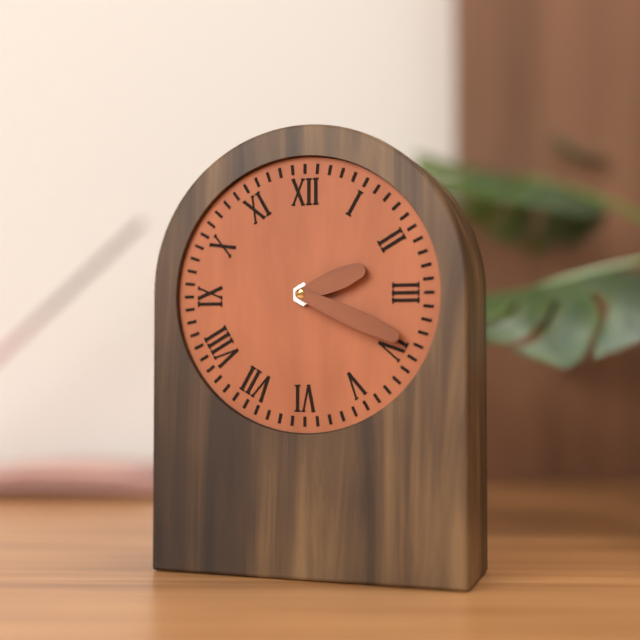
2.19
